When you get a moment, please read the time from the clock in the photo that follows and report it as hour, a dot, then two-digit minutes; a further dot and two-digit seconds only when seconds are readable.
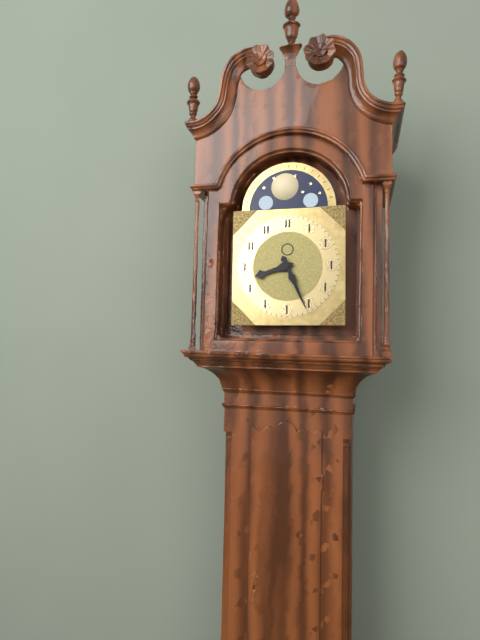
8.26
